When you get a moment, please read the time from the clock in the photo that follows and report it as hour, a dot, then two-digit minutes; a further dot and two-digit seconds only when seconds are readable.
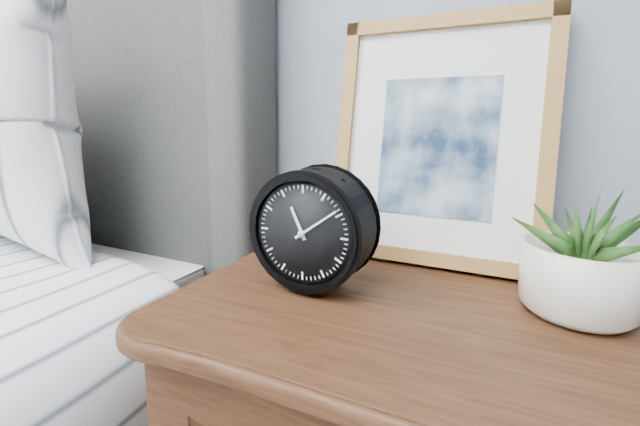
11.09
